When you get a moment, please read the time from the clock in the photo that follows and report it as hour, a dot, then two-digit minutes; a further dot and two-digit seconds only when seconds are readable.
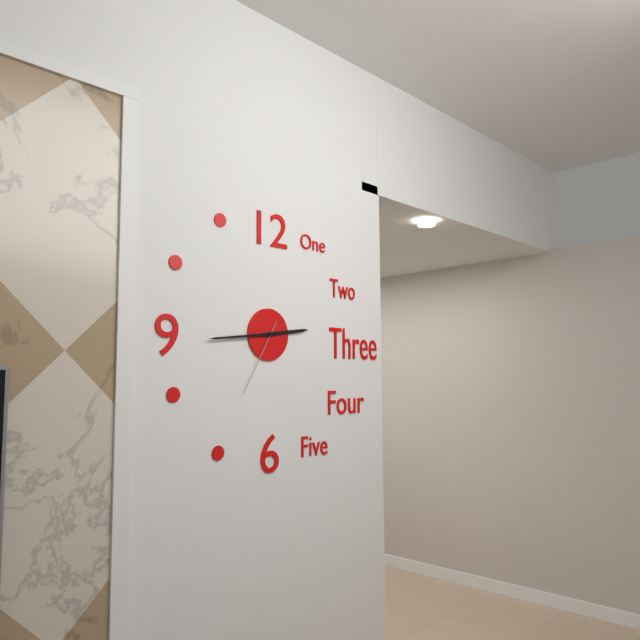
2.44.35
